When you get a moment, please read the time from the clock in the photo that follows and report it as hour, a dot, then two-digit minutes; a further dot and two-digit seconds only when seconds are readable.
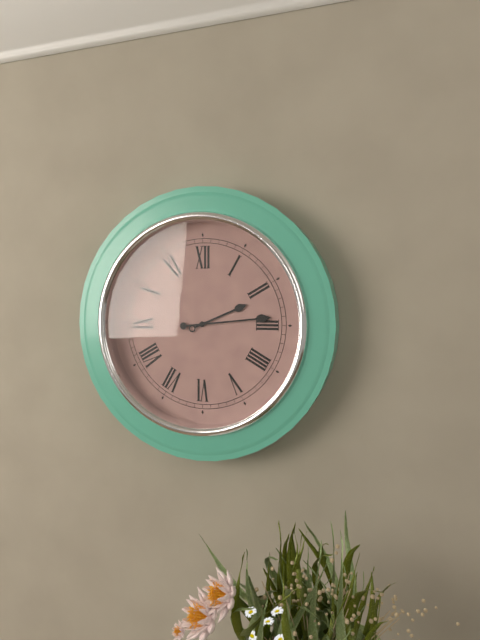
2.14
